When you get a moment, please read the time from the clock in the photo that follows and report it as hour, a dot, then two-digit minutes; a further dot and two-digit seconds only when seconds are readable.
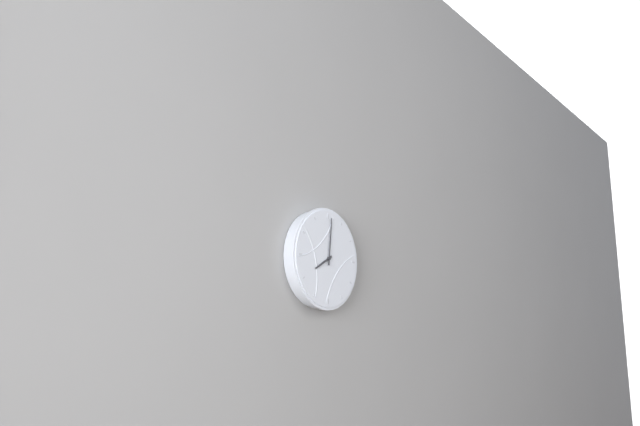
8.01
